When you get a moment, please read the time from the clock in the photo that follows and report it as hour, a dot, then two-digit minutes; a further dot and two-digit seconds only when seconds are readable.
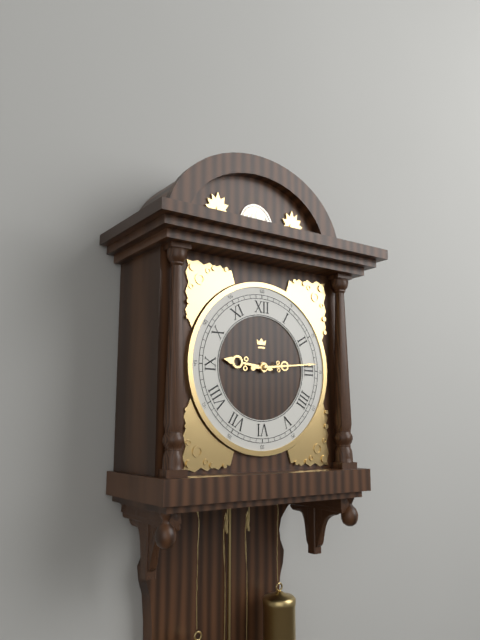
9.14
